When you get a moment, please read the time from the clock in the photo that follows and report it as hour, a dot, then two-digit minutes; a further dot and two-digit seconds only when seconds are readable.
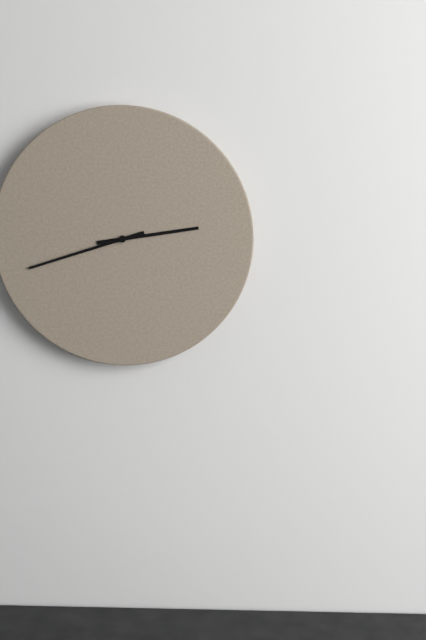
2.42
